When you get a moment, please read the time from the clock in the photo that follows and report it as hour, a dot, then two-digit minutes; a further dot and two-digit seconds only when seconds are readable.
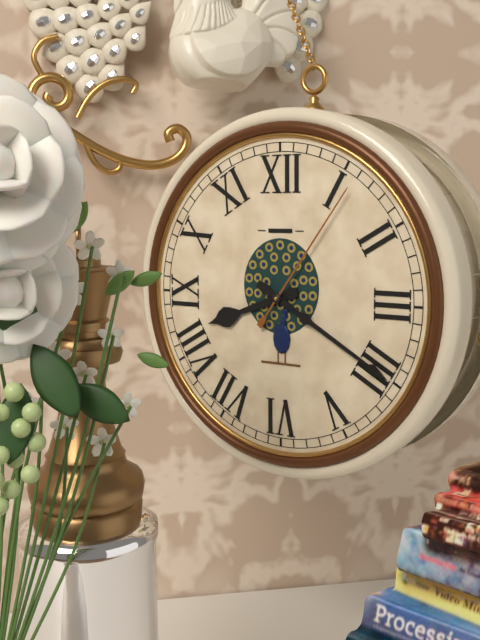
8.20.06
